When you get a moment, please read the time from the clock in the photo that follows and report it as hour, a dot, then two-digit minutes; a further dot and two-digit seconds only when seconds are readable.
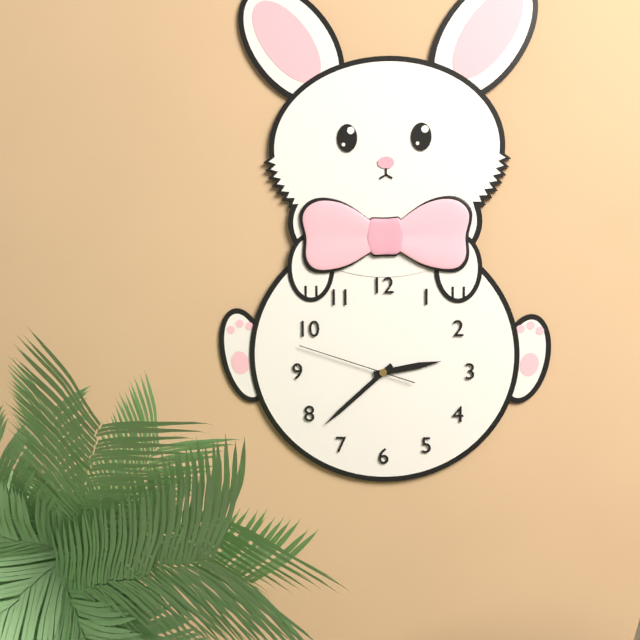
2.38.48
